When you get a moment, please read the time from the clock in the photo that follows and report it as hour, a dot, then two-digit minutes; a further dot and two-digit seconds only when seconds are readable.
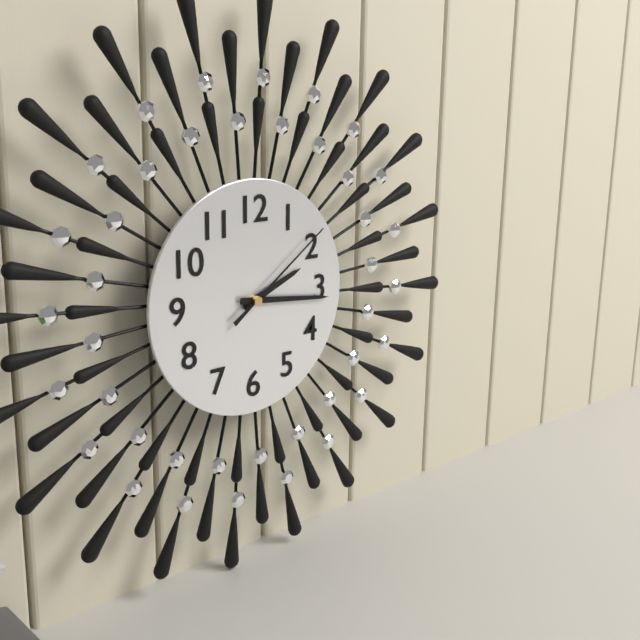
2.16.09
